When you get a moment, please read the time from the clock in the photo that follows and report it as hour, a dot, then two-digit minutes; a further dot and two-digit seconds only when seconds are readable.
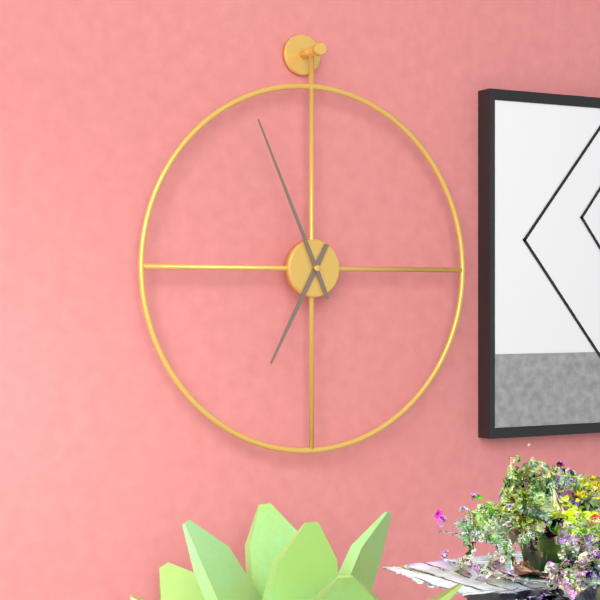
6.56
